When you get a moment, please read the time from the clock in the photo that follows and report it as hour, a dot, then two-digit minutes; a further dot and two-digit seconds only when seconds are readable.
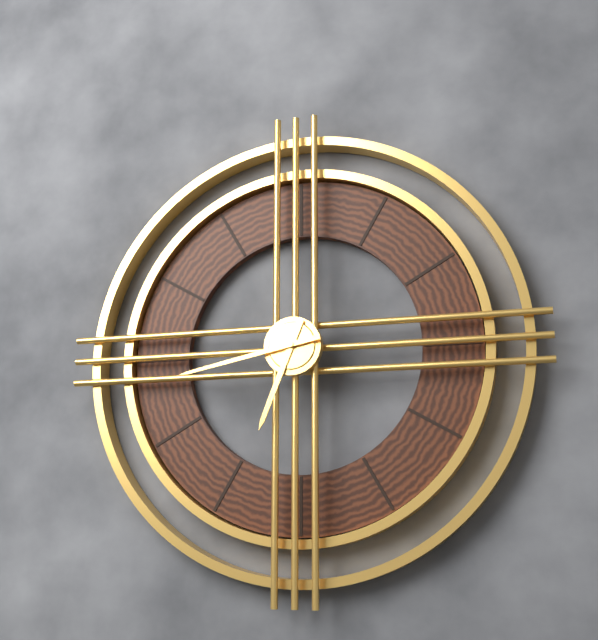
6.43
